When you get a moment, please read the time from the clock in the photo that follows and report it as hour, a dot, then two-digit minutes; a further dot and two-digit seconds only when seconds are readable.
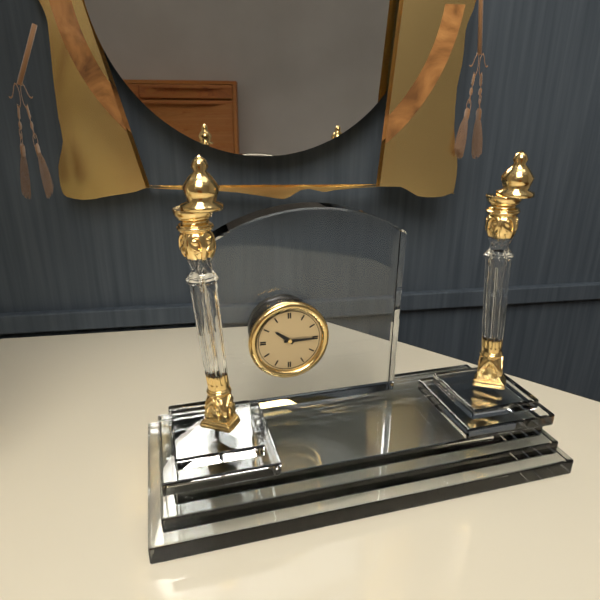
10.15
